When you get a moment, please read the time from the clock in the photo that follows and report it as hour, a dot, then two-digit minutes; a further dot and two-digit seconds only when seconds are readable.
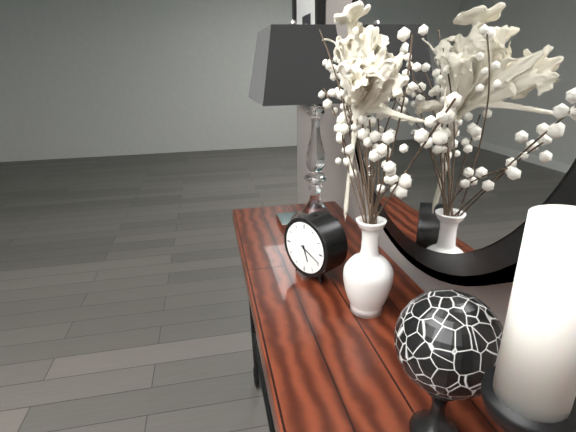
5.19
